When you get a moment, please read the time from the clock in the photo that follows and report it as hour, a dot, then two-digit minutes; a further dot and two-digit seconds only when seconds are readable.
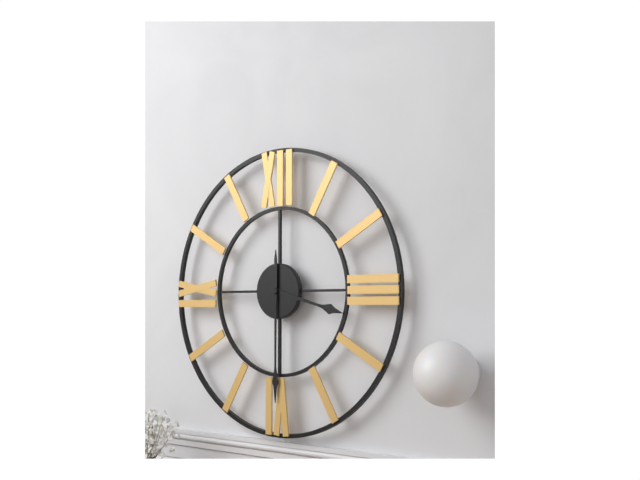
3.30
